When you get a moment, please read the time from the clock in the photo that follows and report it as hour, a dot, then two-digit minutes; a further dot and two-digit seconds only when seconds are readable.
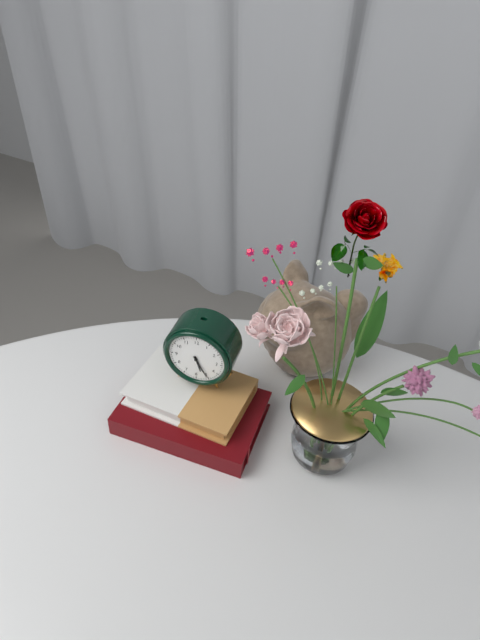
5.25
